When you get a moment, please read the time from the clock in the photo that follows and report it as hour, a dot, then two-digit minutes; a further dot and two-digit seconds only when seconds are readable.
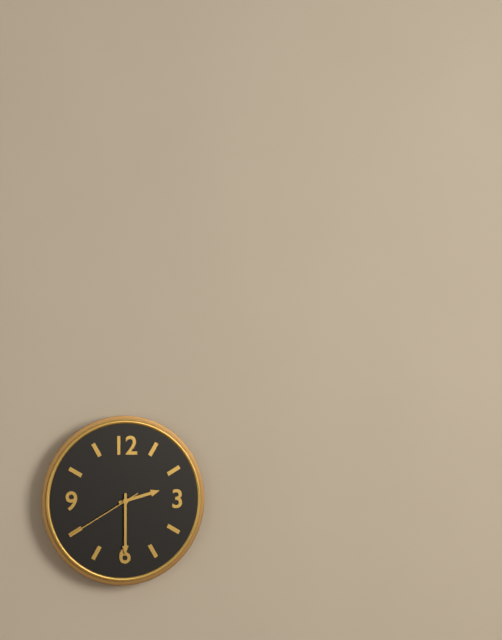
2.30.40
